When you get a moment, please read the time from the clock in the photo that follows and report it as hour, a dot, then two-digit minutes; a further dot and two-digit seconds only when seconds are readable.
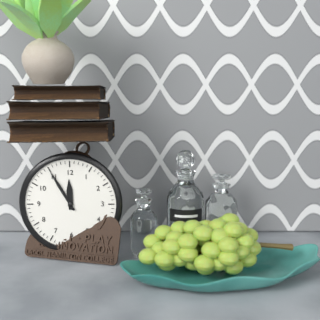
11.55
